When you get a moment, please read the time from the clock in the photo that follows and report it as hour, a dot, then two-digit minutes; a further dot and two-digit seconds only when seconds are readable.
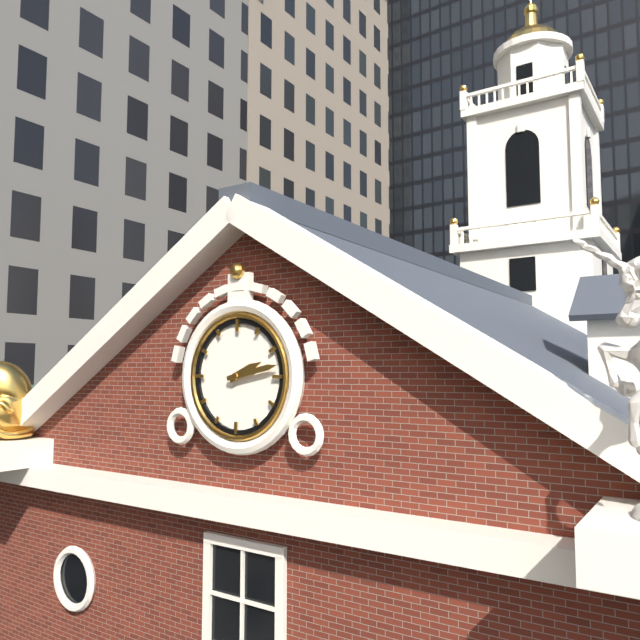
2.13
